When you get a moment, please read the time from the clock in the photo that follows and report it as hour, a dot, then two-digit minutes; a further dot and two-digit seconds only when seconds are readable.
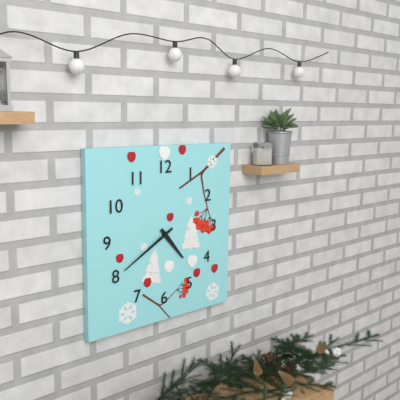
4.40
